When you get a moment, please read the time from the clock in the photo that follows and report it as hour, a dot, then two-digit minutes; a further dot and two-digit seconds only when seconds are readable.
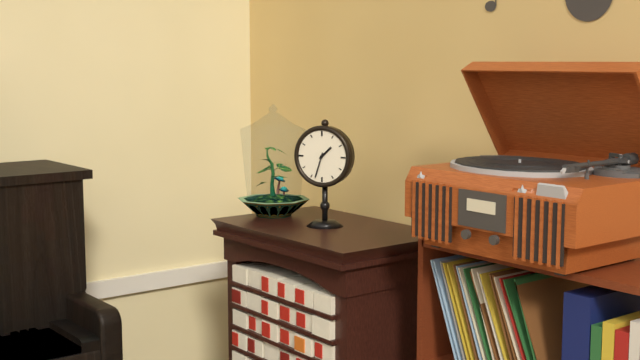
1.33
